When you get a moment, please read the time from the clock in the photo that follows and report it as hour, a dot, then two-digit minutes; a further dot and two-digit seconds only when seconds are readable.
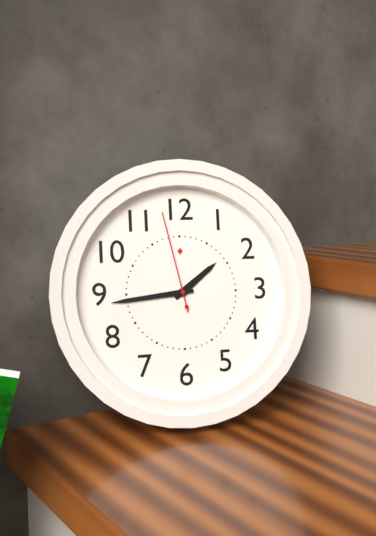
1.44.58
